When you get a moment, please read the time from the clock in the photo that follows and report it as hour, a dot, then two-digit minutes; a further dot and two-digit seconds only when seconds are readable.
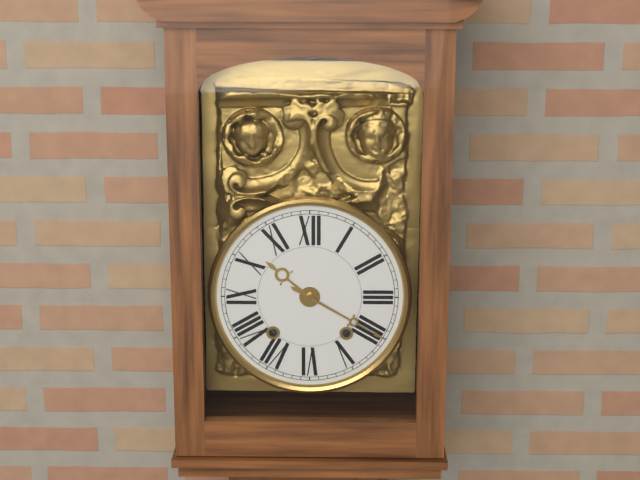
10.20
